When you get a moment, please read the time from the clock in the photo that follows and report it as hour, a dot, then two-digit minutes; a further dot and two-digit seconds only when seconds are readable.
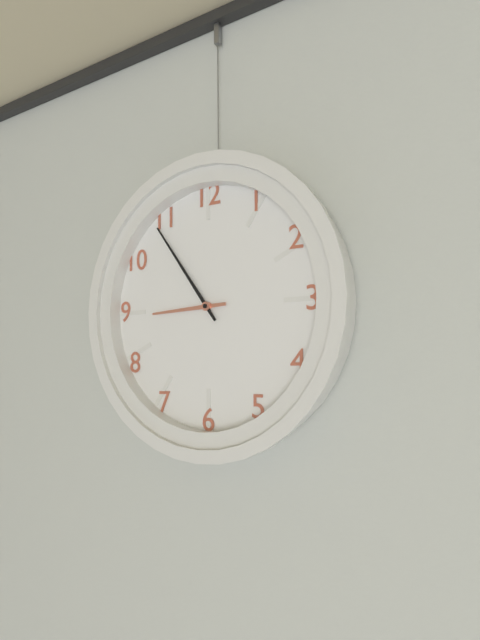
8.54
